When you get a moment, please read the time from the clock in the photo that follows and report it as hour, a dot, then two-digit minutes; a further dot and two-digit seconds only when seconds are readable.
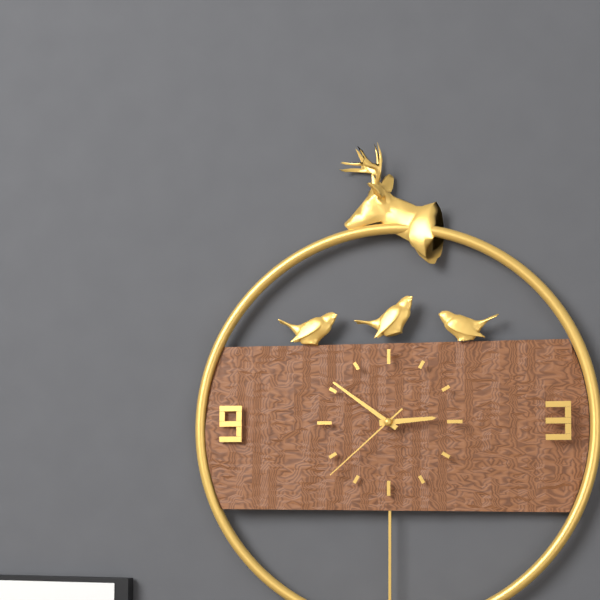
2.51.38
